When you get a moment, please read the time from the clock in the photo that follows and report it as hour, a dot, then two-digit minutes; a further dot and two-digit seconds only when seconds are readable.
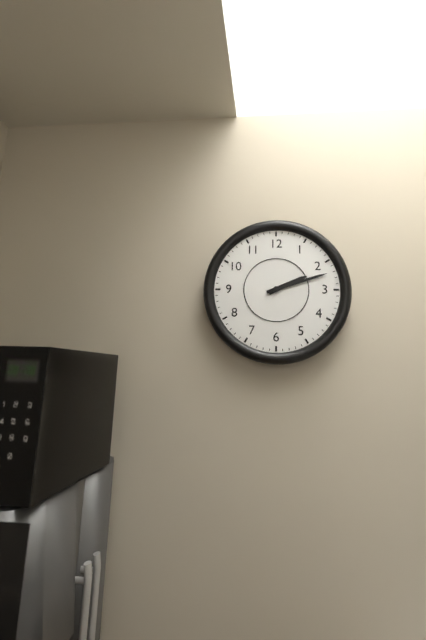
2.12
